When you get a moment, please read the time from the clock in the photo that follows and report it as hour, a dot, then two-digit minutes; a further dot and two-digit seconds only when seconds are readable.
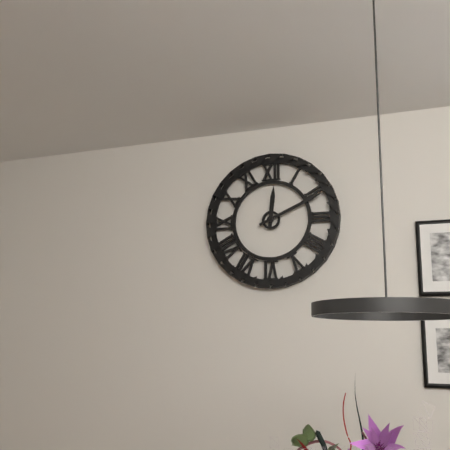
12.11
